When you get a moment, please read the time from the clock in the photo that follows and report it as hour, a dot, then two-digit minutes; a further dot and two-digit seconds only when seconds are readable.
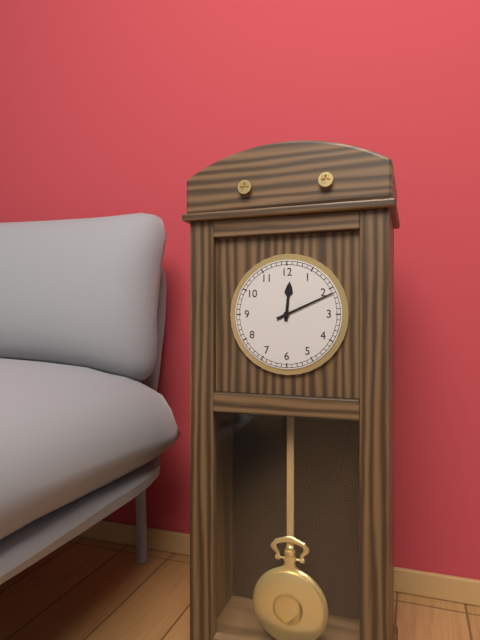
12.11
